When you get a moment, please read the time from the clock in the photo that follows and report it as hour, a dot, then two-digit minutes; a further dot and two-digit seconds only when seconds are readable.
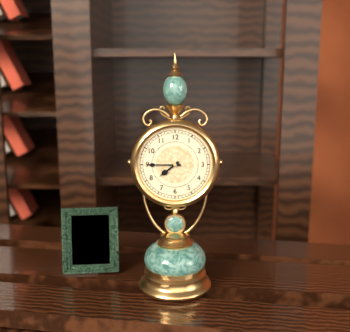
7.45
